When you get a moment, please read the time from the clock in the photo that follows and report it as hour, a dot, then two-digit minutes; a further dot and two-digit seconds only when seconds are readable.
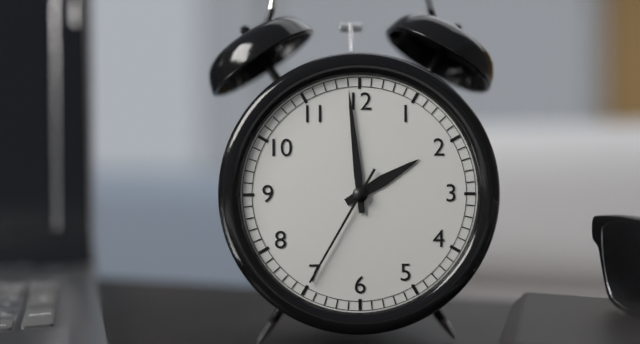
1.59.35
